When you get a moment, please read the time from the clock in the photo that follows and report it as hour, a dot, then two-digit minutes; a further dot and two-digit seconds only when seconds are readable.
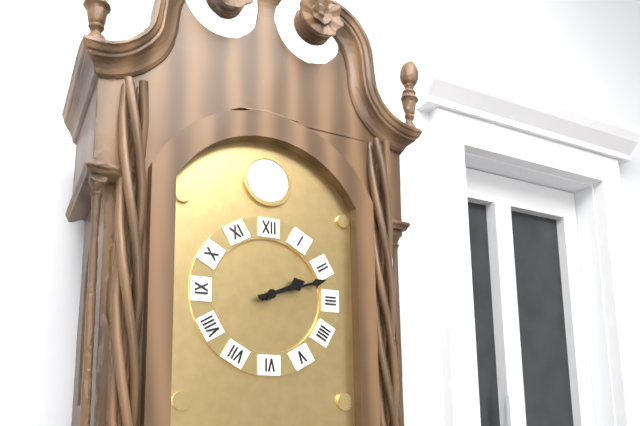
2.12
